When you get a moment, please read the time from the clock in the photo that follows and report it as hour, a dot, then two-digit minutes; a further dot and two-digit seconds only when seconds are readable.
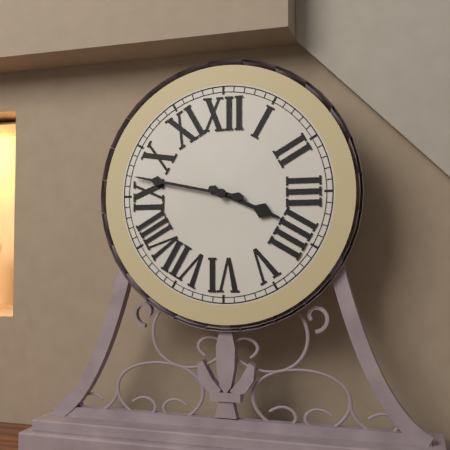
3.47
